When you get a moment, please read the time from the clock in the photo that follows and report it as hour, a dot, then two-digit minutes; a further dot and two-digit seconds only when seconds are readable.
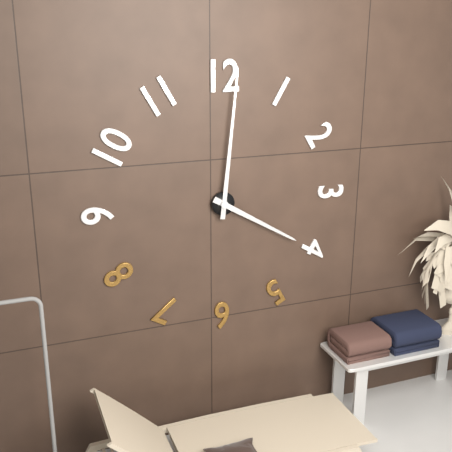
4.01
